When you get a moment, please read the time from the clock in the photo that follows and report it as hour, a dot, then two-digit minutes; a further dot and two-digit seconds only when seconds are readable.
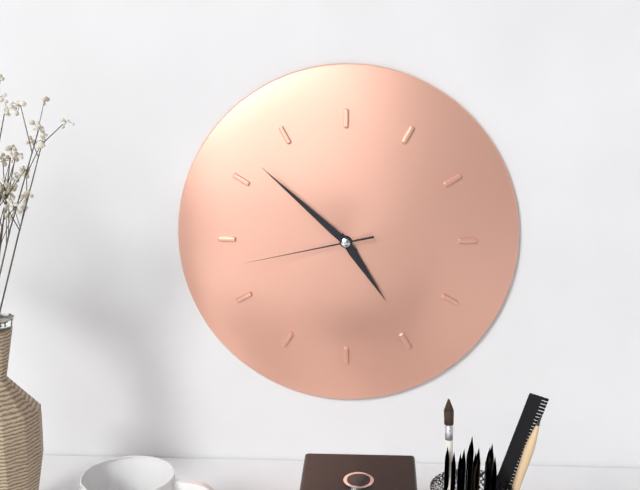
4.52.43
